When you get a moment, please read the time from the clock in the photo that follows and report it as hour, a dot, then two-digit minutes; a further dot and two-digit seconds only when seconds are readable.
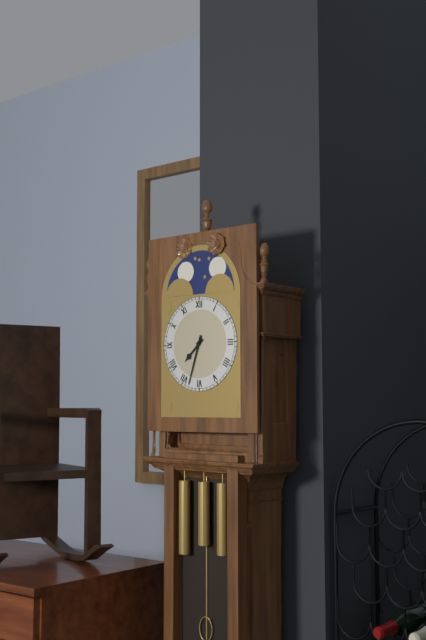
7.33
